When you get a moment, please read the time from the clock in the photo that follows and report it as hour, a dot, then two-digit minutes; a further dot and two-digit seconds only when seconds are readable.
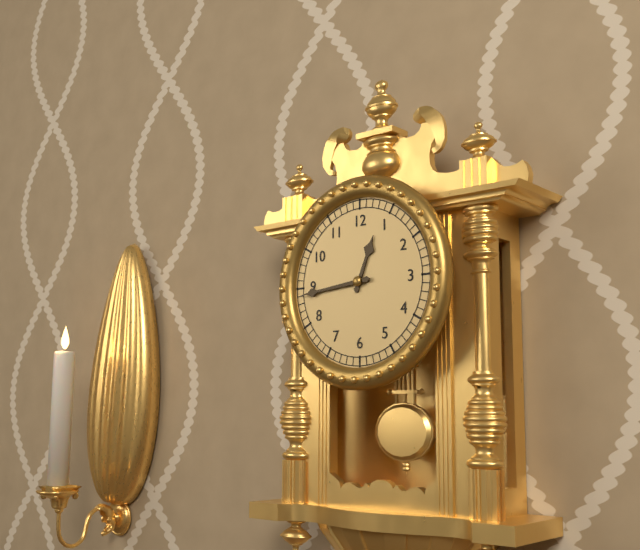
12.44
